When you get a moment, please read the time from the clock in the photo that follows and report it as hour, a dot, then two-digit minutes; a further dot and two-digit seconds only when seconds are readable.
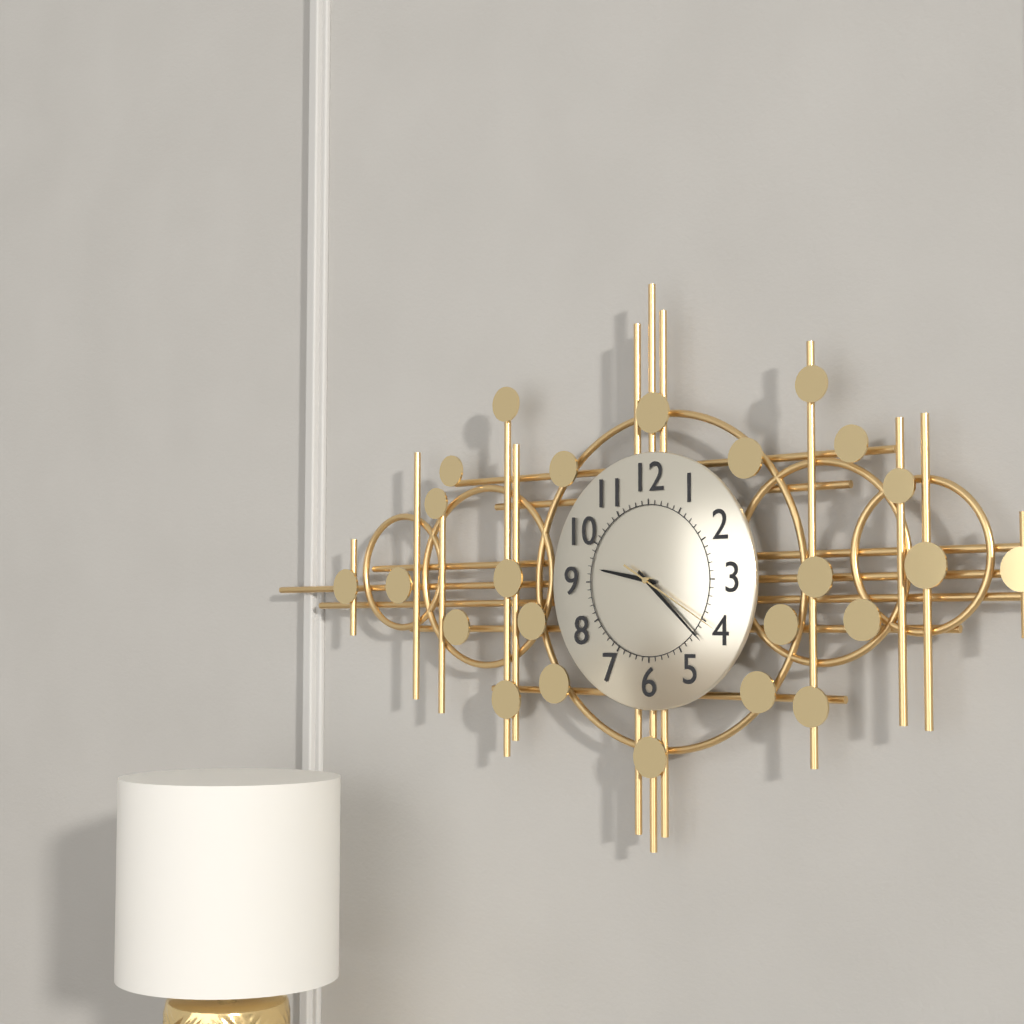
9.22.20
